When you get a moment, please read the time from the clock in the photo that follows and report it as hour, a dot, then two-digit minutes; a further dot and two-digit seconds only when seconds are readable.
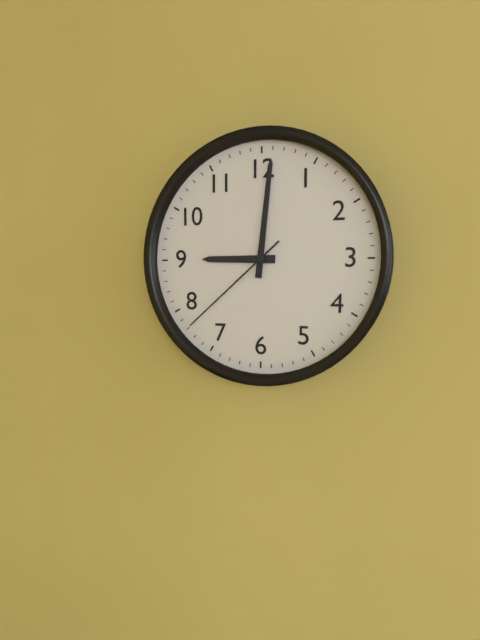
9.01.38
